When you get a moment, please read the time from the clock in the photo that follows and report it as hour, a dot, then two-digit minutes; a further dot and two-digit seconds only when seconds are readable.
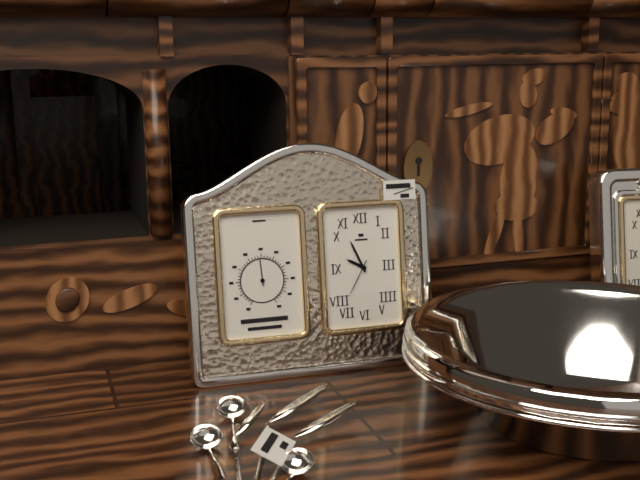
9.56
